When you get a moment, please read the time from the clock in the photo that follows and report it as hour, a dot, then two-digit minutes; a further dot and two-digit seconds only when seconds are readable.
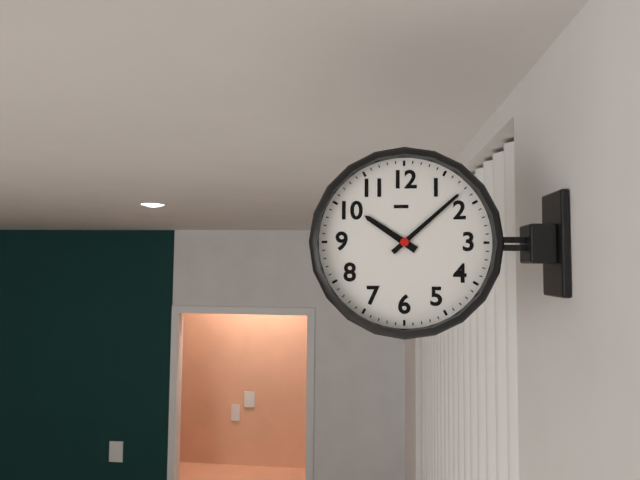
10.08
